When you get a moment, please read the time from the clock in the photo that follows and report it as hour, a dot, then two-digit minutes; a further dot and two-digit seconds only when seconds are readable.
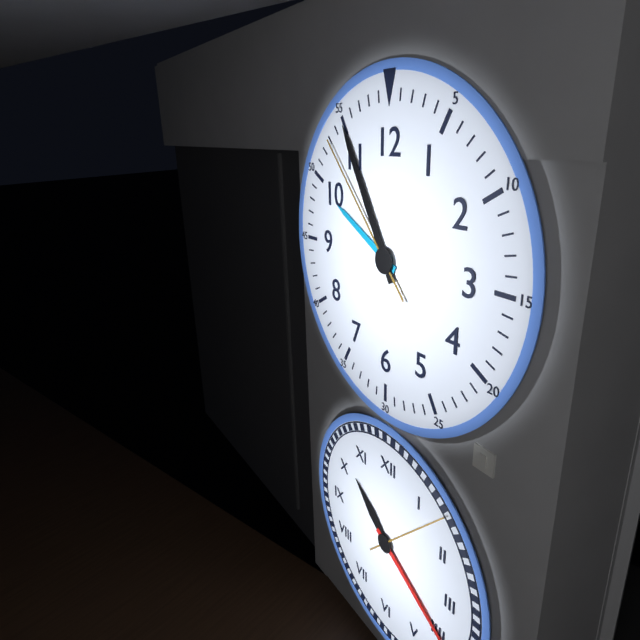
9.55.53
